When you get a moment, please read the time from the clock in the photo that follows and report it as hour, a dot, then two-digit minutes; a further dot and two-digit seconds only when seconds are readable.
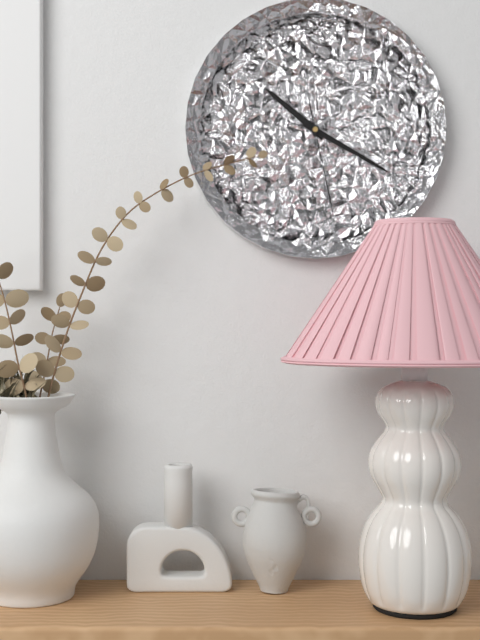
10.20.28
